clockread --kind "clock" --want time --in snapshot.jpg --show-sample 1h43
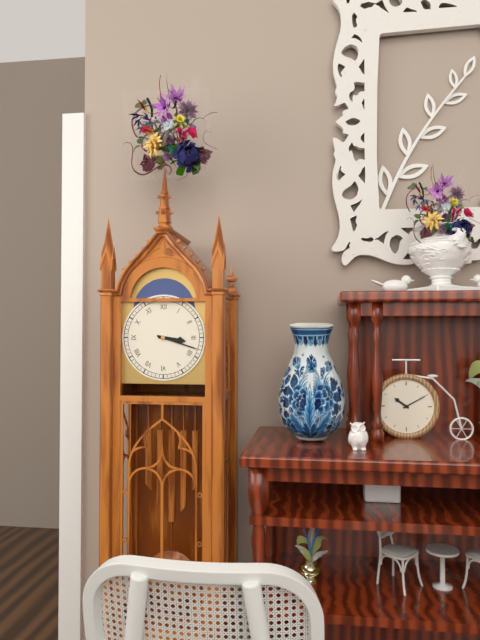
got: 3h18
